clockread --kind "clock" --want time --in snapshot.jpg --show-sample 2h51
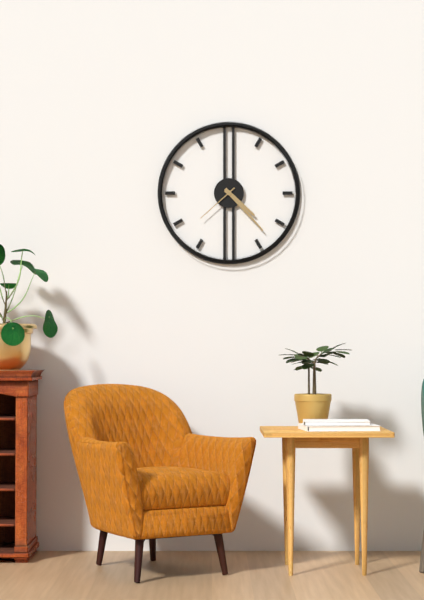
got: 4h23
